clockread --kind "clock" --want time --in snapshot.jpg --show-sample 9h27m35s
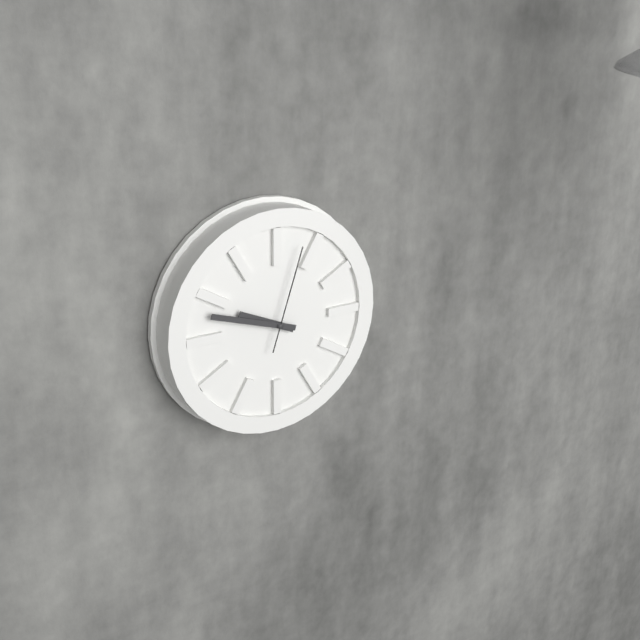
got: 9h48m03s
